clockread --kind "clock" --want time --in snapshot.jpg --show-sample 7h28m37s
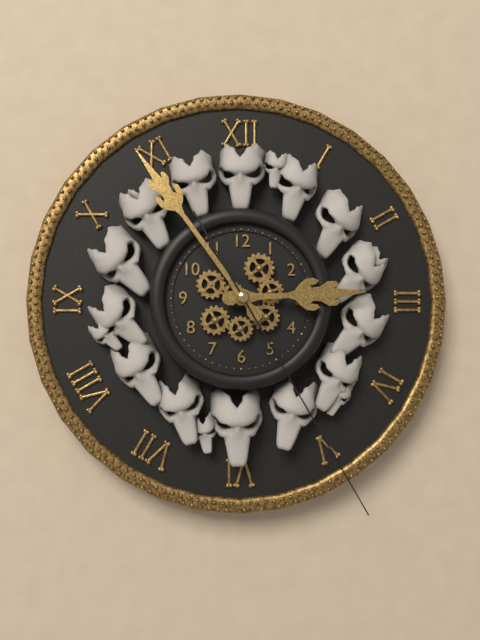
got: 2h54m25s
